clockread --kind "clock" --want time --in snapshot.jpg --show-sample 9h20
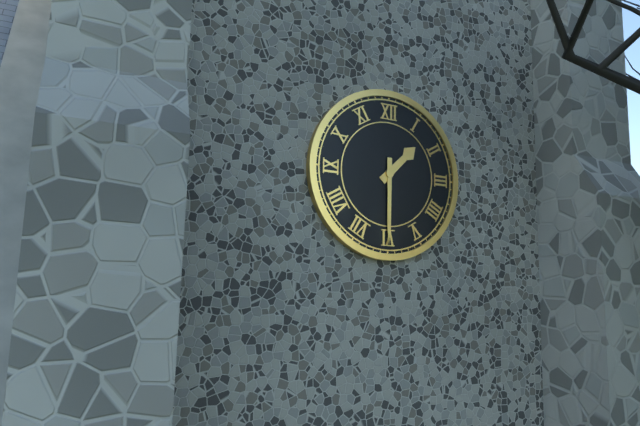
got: 1h30
